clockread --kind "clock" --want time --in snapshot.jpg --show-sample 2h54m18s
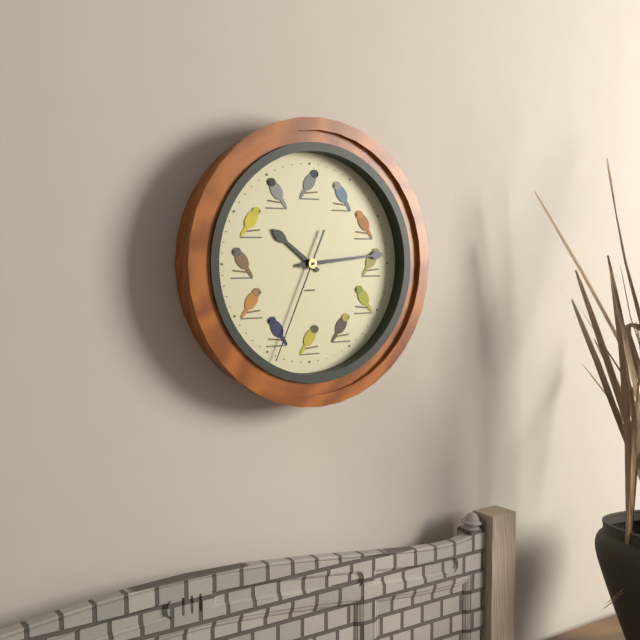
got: 10h14m34s
